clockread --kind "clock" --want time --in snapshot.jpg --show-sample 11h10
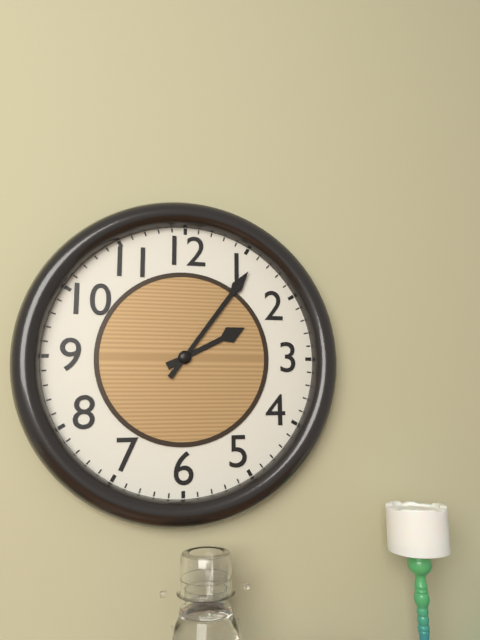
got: 2h06
